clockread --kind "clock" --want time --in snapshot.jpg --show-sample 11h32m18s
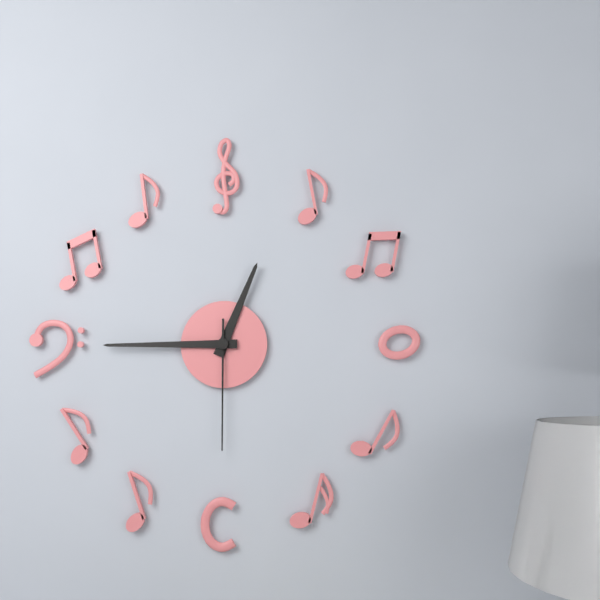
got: 12h45m30s
